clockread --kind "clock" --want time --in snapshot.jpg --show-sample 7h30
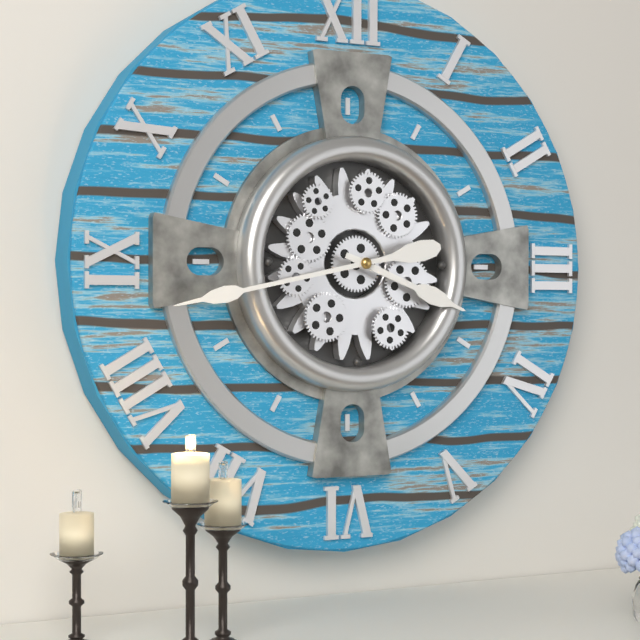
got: 3h43
